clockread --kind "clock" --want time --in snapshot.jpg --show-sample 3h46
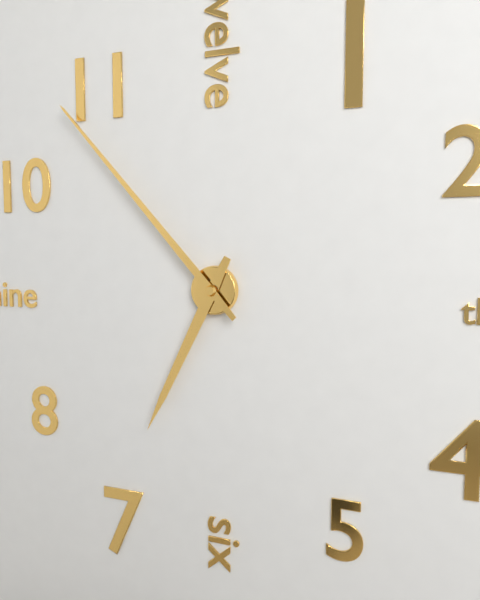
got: 6h53
